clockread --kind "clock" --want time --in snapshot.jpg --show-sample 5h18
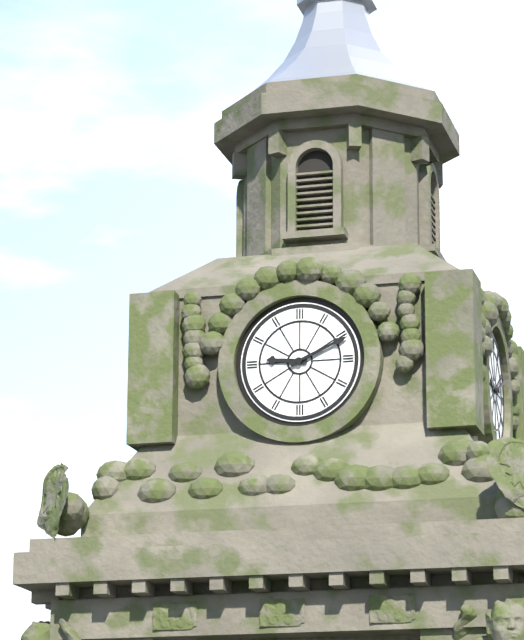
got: 9h11
